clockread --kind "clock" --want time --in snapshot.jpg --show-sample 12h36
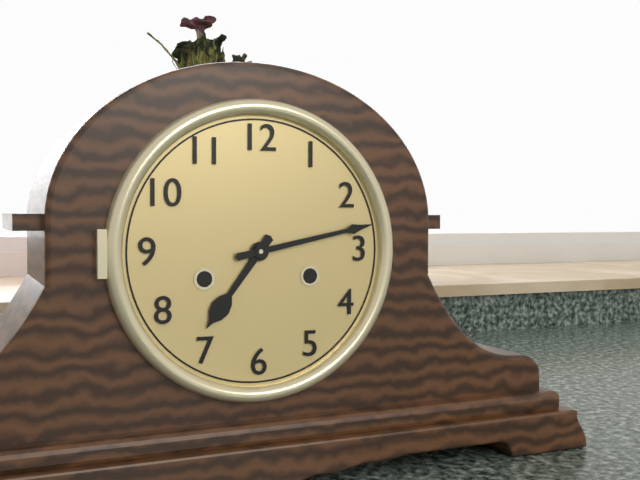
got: 7h13
